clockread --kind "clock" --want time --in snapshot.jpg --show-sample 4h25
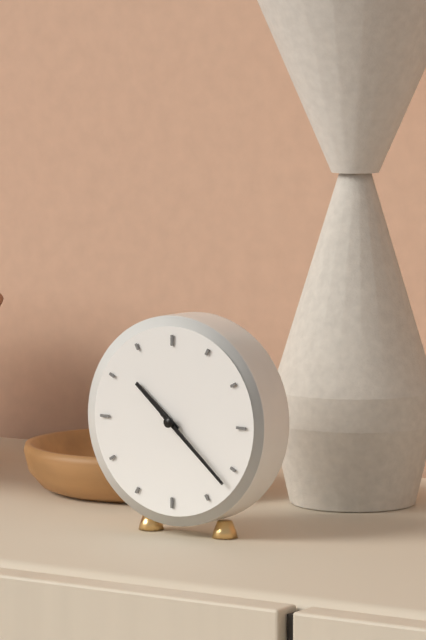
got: 10h22
